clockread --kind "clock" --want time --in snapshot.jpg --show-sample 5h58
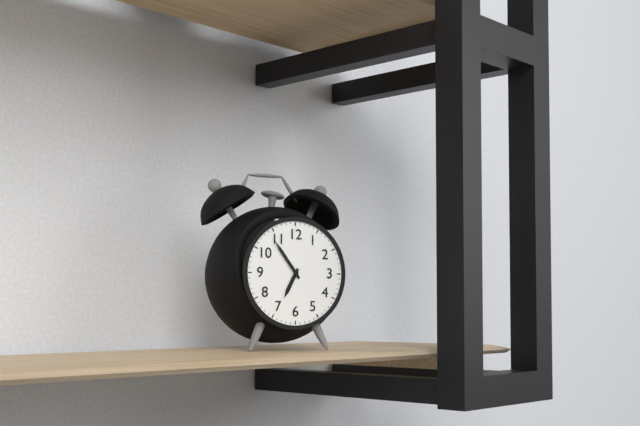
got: 6h54
